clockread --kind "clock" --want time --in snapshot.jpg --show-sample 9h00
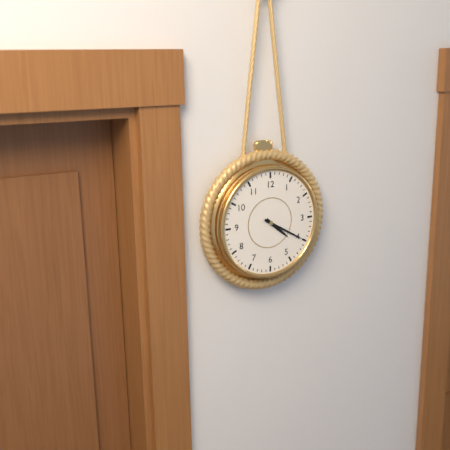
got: 4h20
